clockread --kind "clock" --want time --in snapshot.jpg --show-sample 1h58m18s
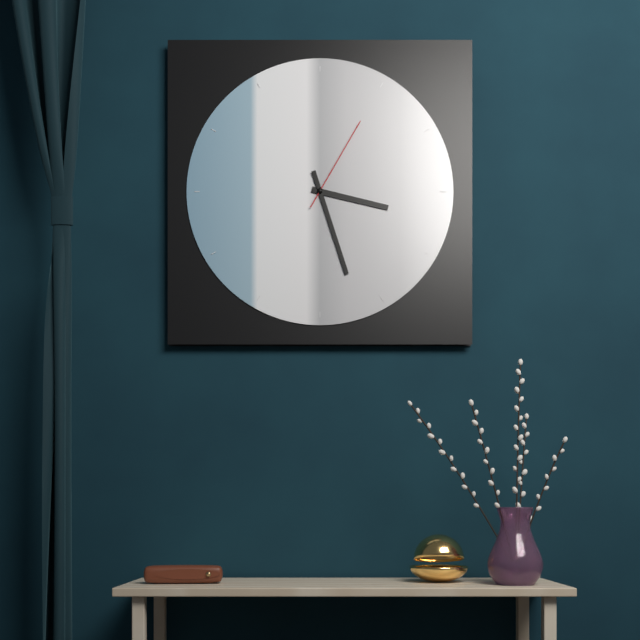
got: 3h27m05s
